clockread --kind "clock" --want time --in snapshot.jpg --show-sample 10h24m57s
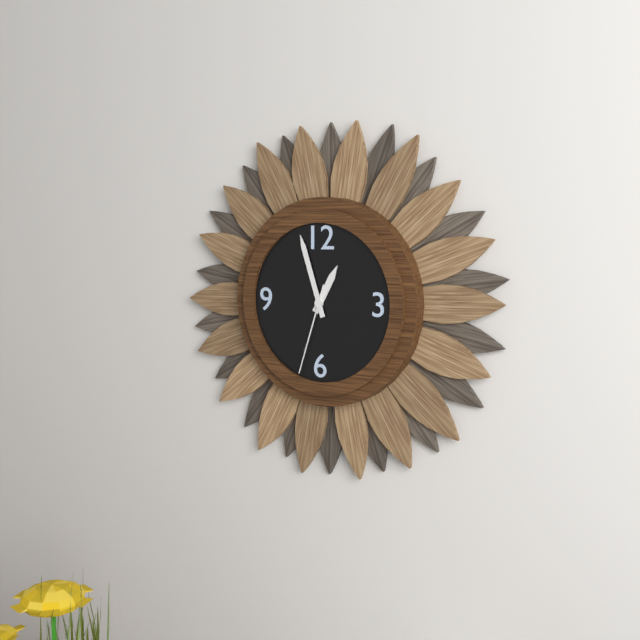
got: 12h57m33s
